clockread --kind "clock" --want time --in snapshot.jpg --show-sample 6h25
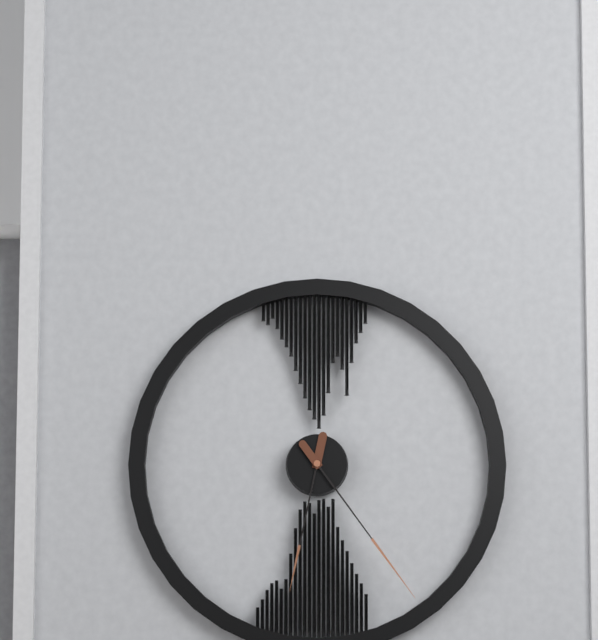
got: 6h24
